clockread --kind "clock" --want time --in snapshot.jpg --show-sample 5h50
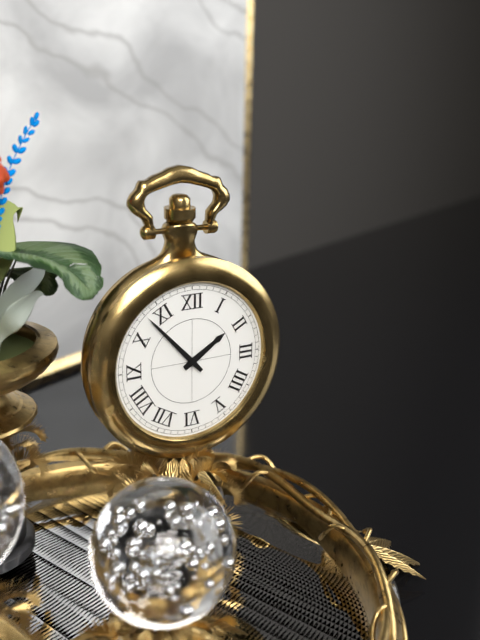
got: 1h53
